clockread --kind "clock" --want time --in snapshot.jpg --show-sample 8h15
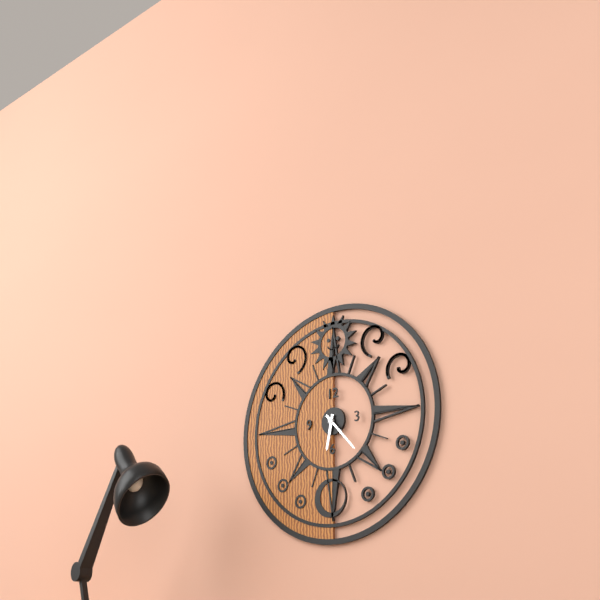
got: 6h23
